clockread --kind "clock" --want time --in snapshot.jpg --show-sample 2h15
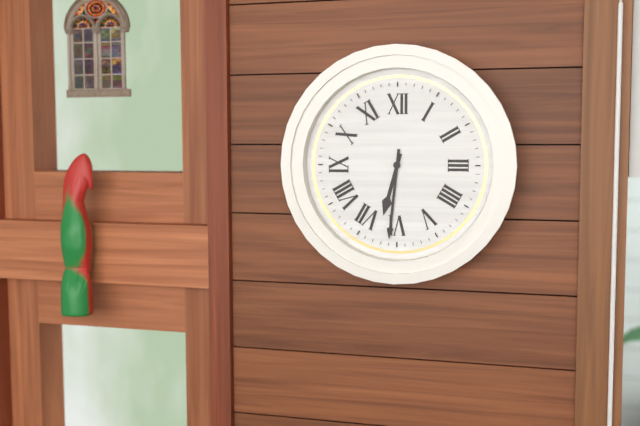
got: 6h31
